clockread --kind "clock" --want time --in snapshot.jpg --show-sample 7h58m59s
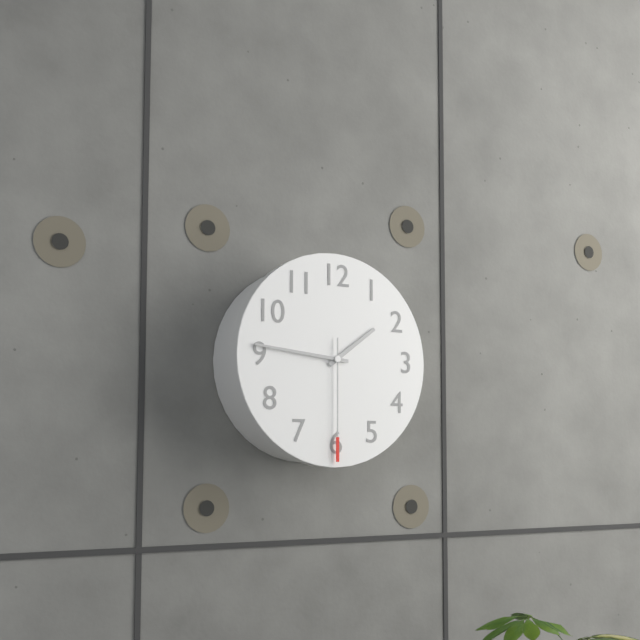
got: 1h46m30s
